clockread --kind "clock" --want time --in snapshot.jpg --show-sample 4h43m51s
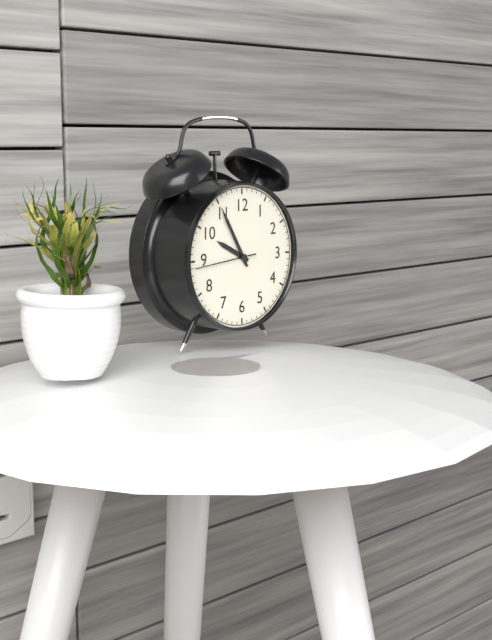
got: 9h55m44s
